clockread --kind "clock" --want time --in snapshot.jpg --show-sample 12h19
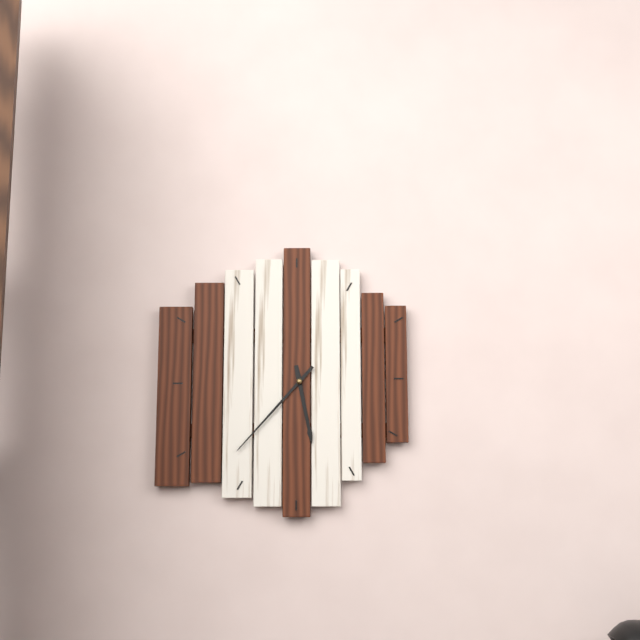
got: 5h37
